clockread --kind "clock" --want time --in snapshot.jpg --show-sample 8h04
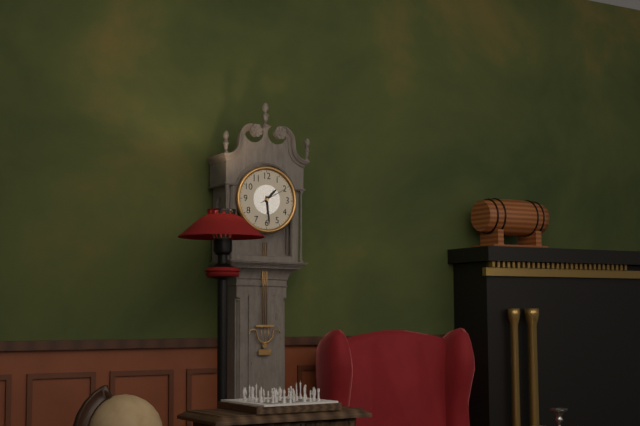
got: 1h29
